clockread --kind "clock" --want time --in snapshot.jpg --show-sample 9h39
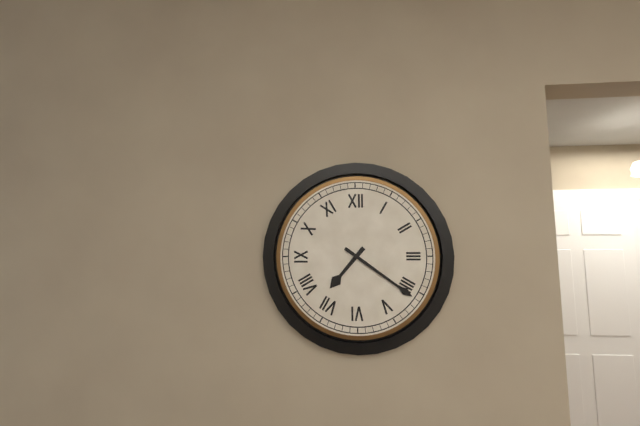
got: 7h21
